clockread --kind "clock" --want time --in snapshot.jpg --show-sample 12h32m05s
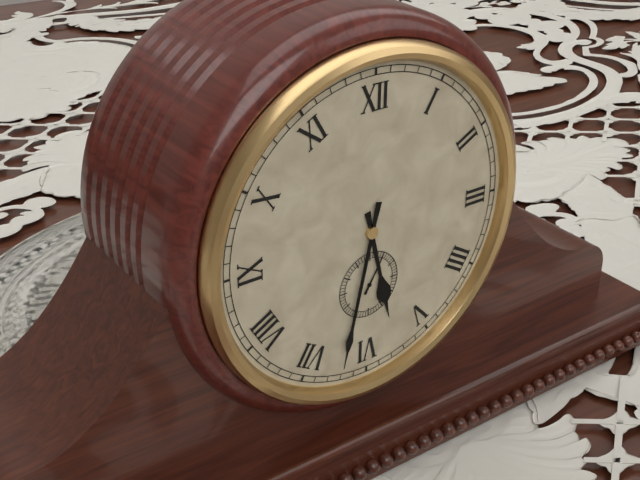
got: 5h32m05s
